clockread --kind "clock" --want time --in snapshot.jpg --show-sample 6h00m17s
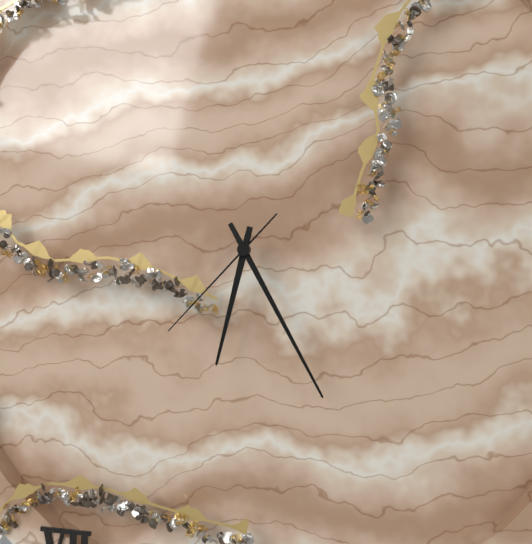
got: 6h25m37s
